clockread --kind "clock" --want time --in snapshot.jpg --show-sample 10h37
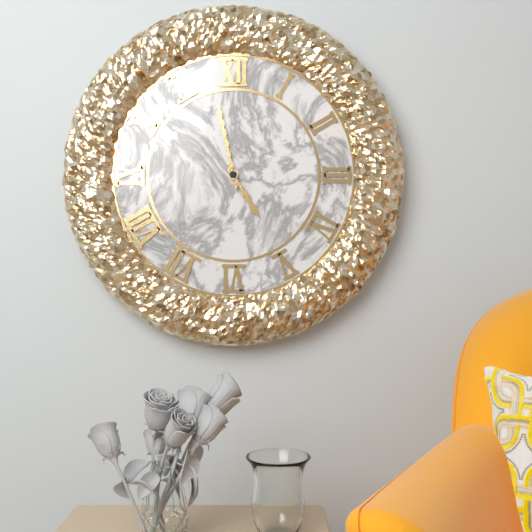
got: 4h58
